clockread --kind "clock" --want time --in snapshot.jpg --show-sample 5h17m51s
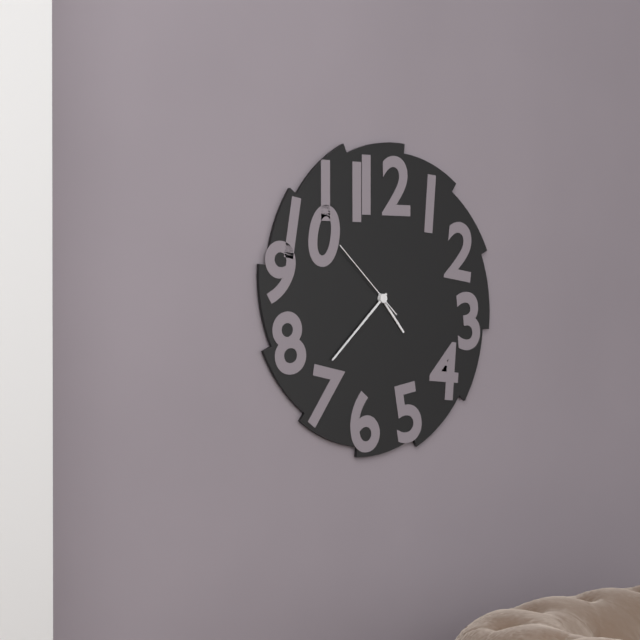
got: 4h38m52s
